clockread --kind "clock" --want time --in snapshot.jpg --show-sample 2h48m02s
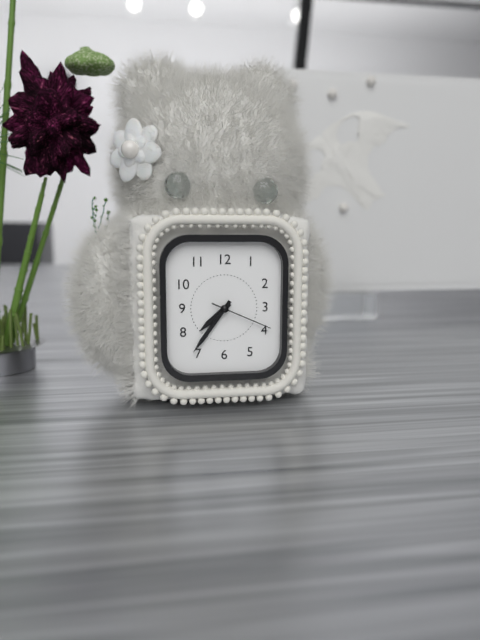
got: 7h36m19s
